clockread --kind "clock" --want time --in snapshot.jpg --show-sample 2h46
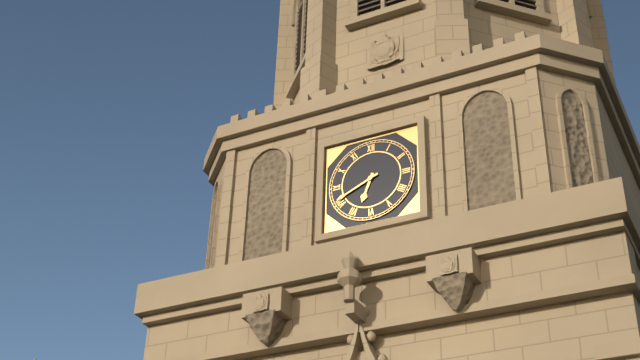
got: 6h41
